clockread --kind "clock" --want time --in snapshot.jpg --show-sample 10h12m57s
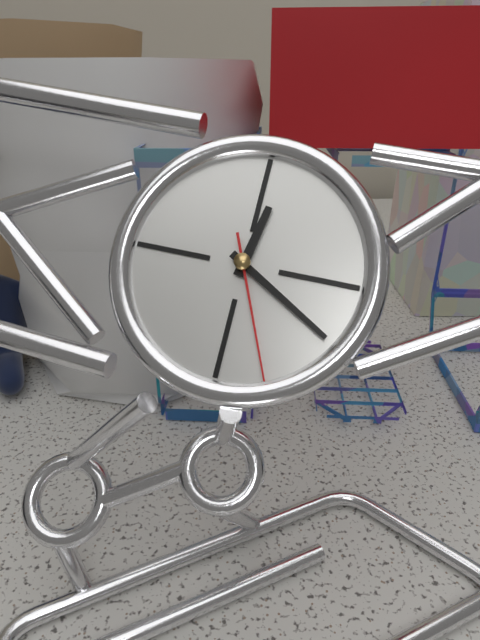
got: 12h20m26s
